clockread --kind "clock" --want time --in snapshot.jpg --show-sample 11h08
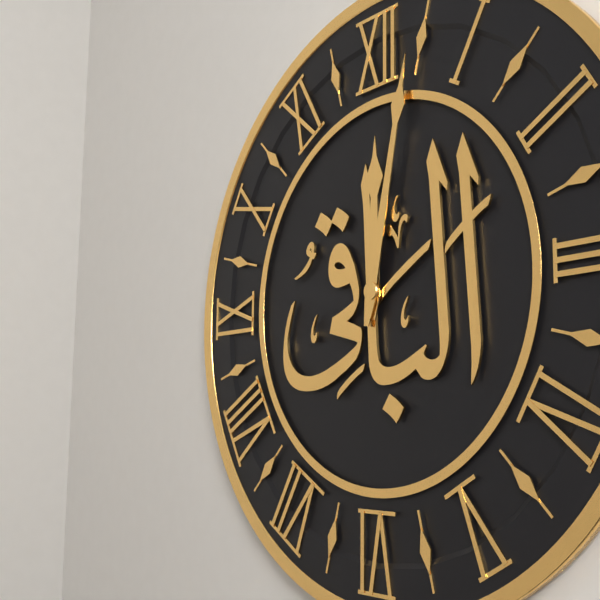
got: 12h02
